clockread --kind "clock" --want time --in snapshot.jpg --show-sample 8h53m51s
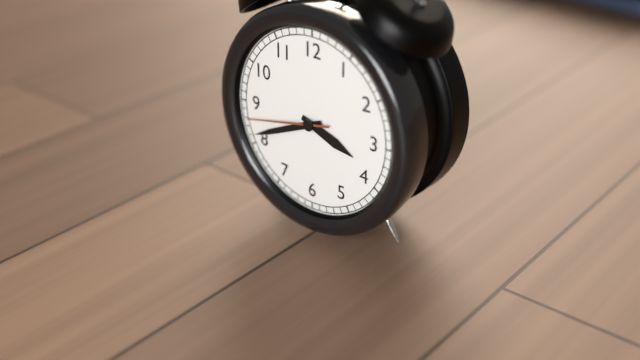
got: 3h41m43s
